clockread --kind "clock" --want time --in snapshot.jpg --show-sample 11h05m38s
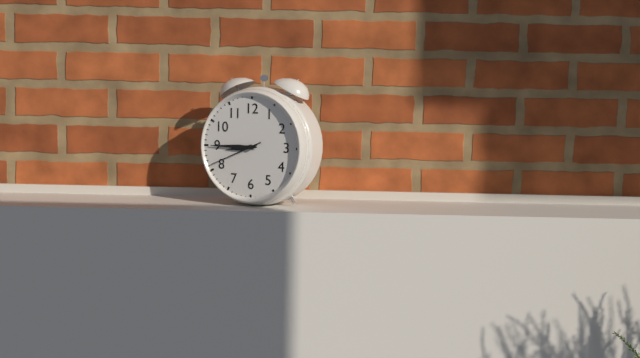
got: 8h45m41s
